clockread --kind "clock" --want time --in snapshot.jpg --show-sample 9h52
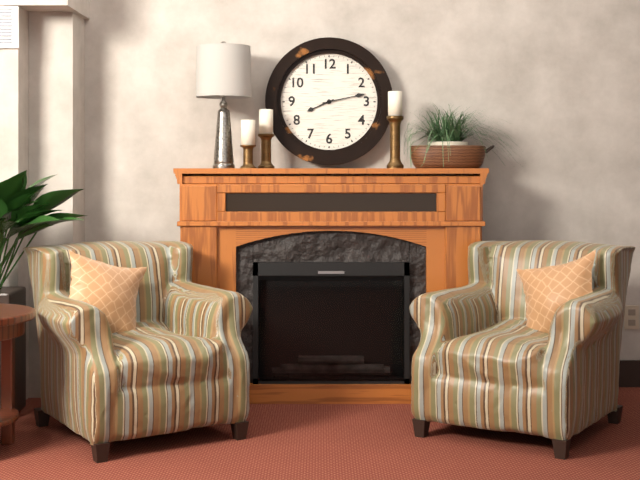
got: 8h13
